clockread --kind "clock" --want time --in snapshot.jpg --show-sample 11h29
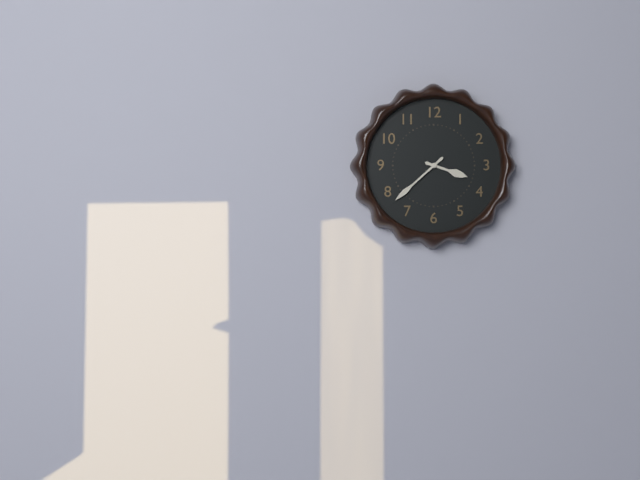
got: 3h38
